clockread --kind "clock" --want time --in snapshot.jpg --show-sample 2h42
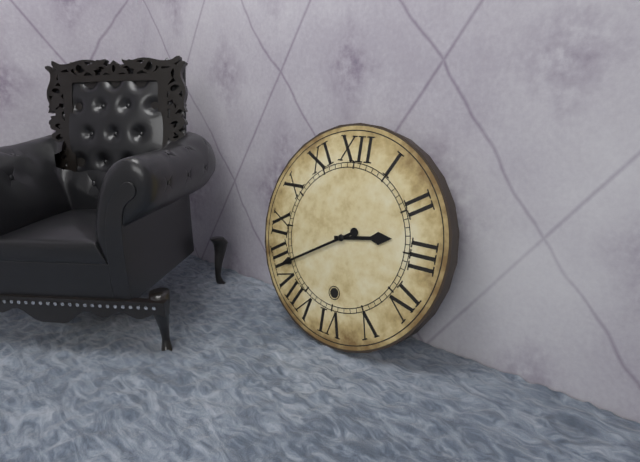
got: 2h40
